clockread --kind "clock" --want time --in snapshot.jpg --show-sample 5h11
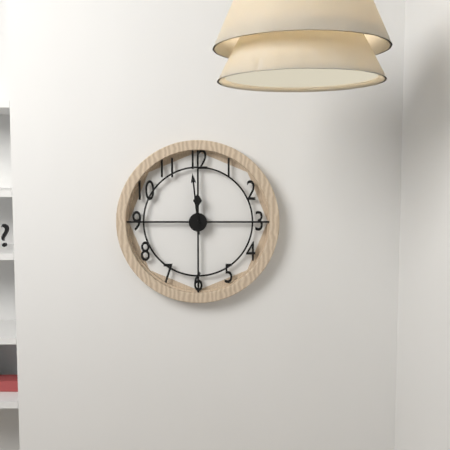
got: 11h59
